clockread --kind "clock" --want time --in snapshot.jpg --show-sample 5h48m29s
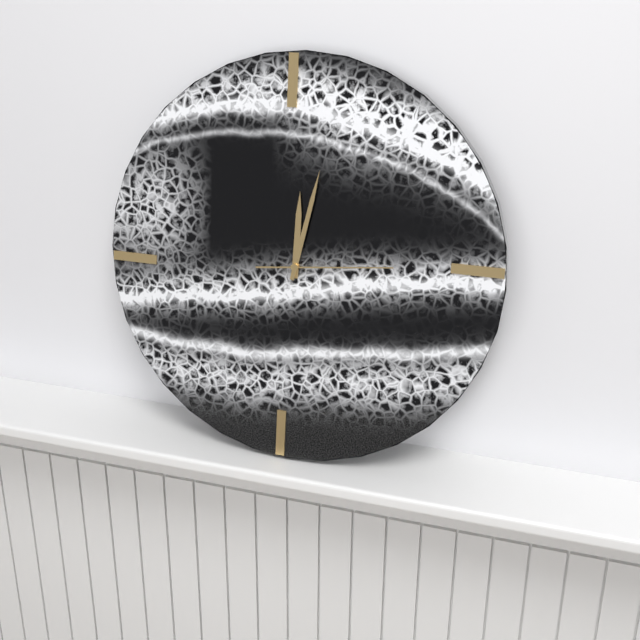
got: 12h02m14s
